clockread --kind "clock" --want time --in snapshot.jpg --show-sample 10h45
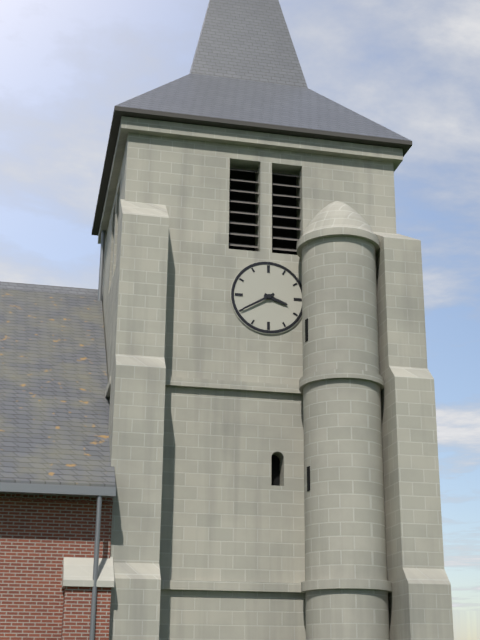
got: 3h40
